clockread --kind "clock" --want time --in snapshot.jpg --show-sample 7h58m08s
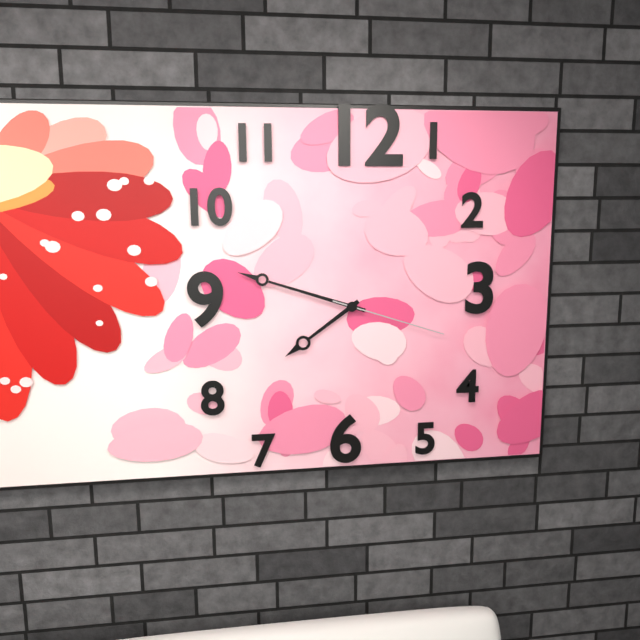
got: 7h48m18s
